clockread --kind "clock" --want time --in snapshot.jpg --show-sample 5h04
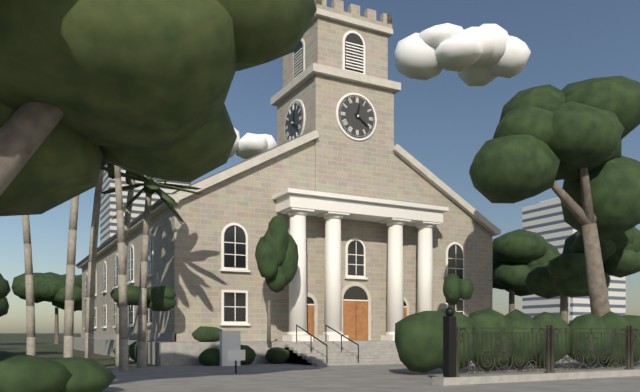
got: 12h21
